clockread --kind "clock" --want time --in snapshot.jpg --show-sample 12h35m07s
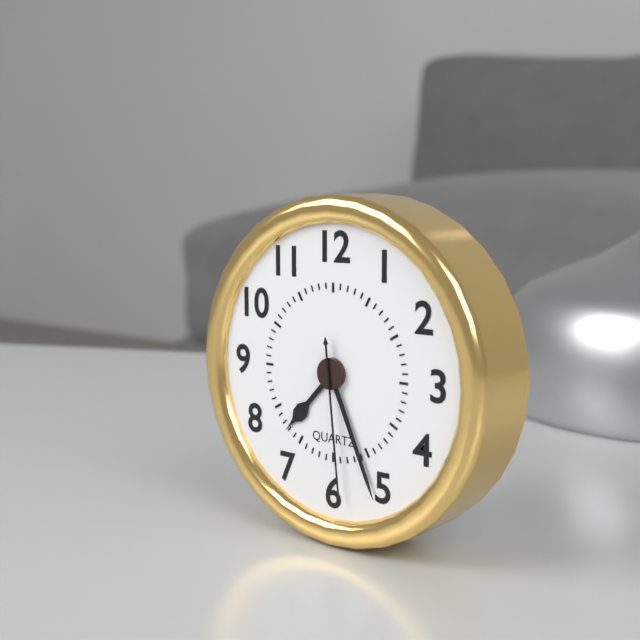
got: 7h26m29s
